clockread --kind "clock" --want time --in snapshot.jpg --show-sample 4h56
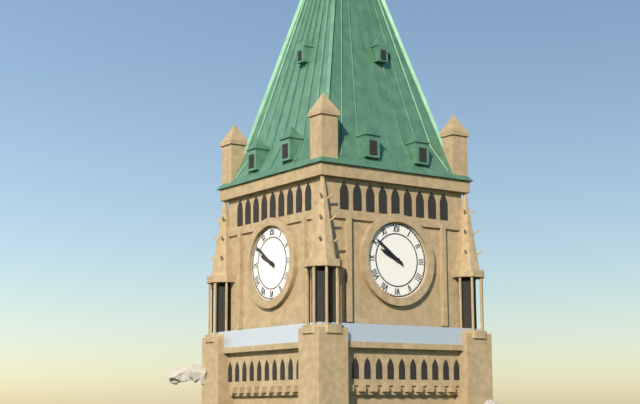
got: 9h51
